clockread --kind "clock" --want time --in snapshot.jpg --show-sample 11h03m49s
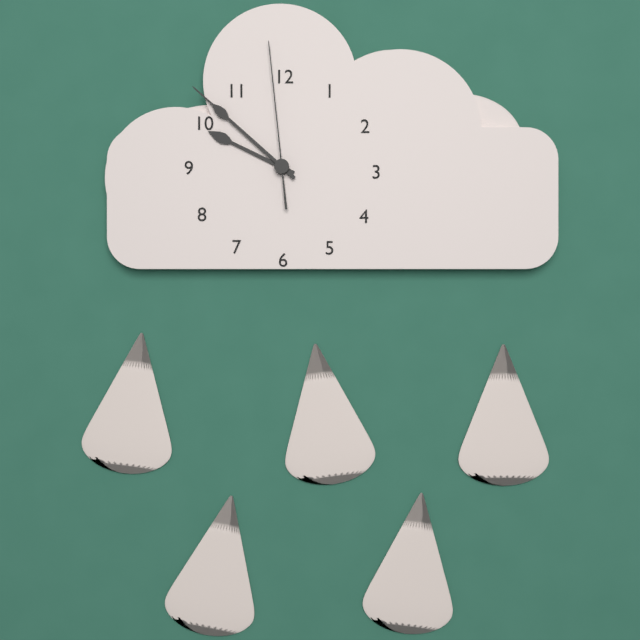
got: 9h52m59s
